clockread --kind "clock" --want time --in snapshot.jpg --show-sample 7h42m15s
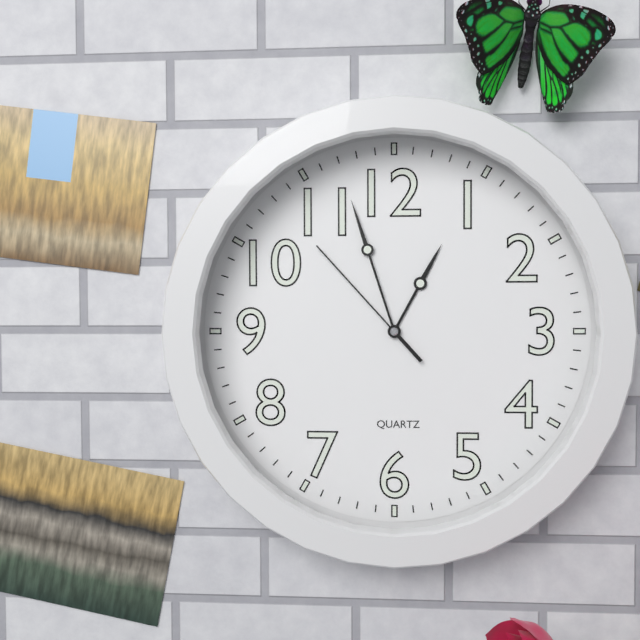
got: 12h57m53s
